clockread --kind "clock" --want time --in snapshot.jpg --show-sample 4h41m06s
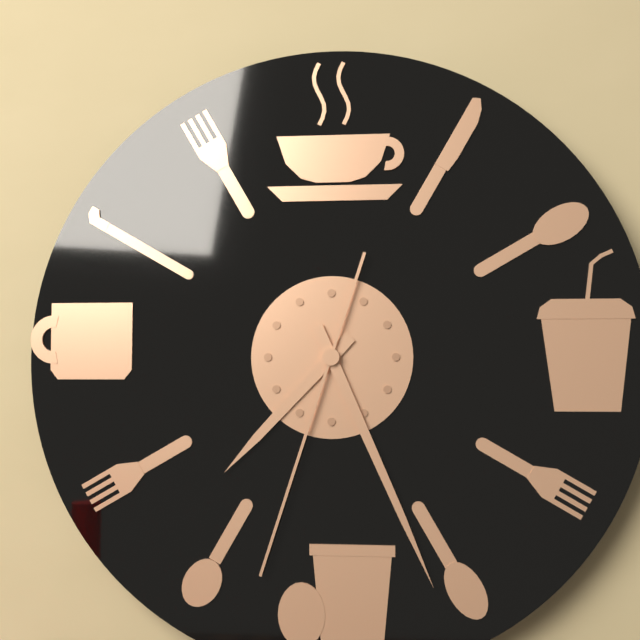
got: 7h26m33s
